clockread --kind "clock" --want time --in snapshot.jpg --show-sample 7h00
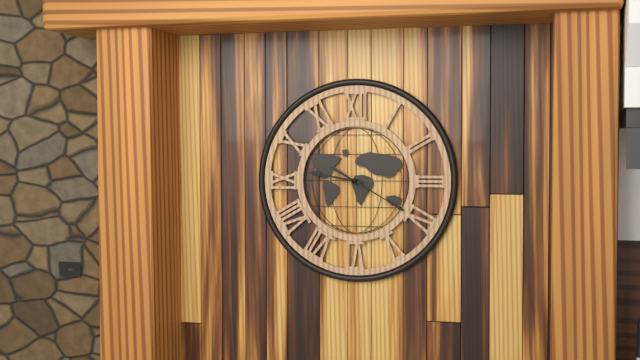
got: 9h20
